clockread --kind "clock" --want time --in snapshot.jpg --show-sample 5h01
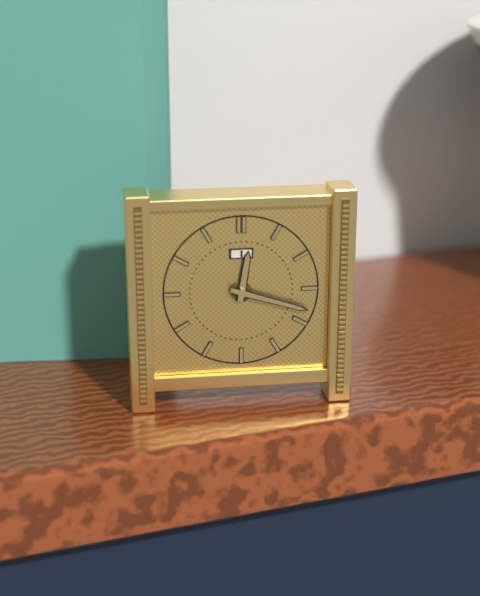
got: 12h18
